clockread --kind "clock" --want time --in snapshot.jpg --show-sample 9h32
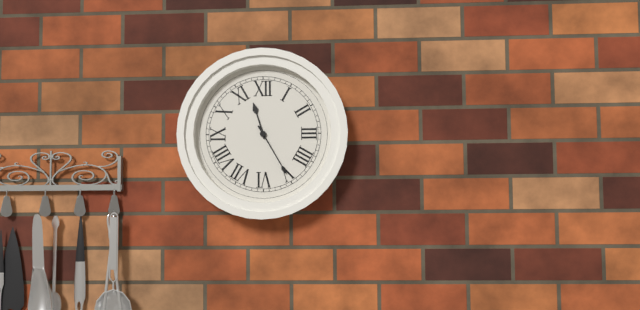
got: 11h25
